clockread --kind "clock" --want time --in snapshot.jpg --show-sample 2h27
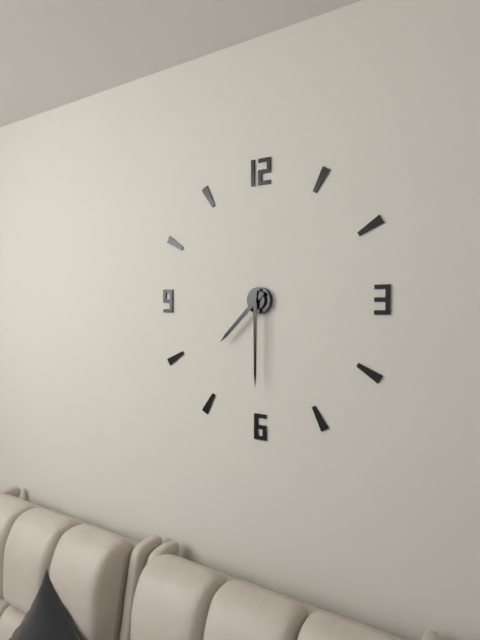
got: 7h30
